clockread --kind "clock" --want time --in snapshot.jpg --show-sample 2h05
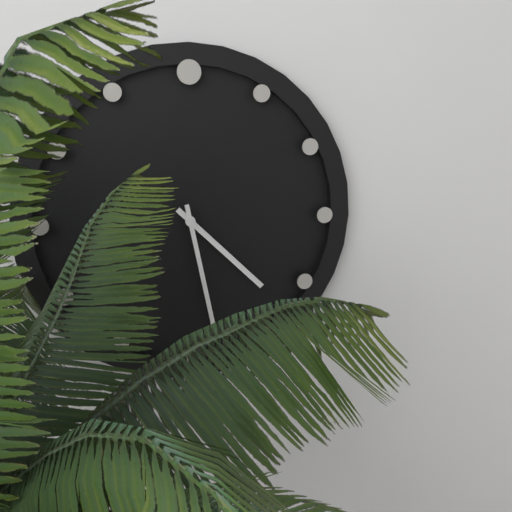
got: 4h28
